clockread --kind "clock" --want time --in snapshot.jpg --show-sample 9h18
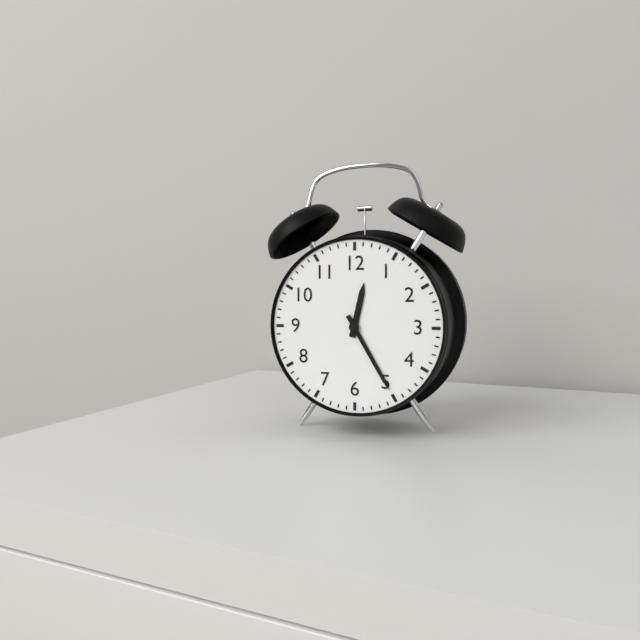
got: 12h25
